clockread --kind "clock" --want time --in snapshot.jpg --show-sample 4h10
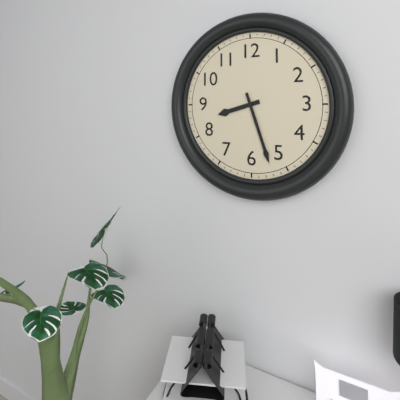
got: 8h27
